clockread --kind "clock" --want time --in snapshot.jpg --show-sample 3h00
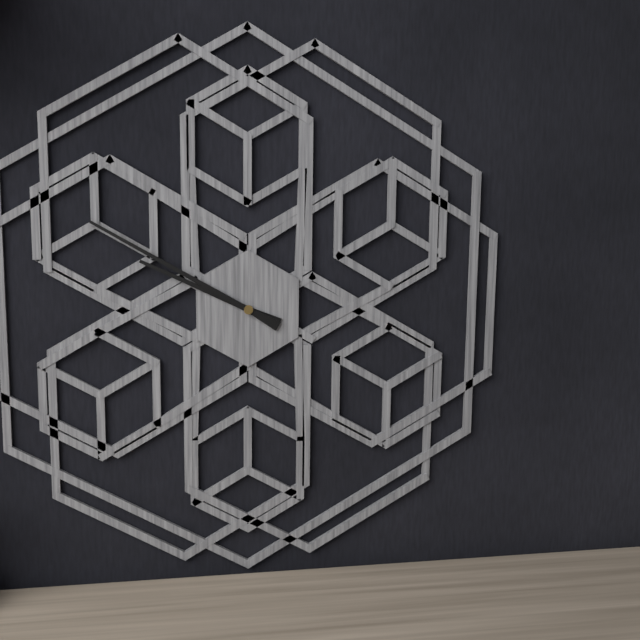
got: 9h50
